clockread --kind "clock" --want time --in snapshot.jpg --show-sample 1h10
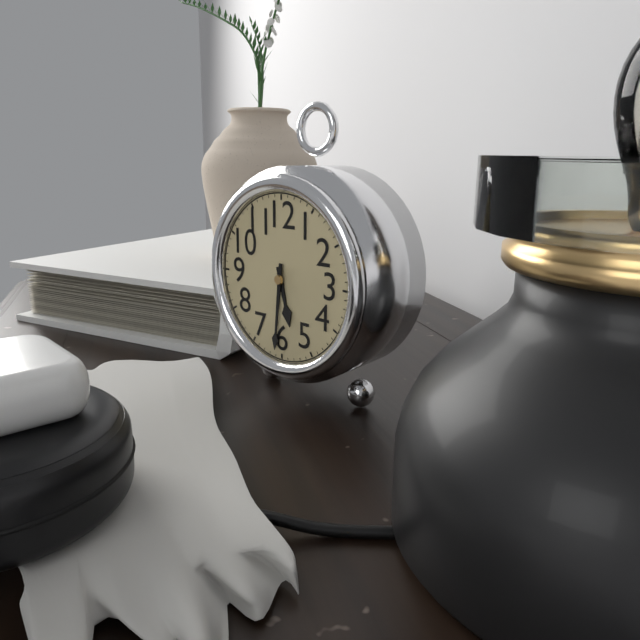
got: 5h31
